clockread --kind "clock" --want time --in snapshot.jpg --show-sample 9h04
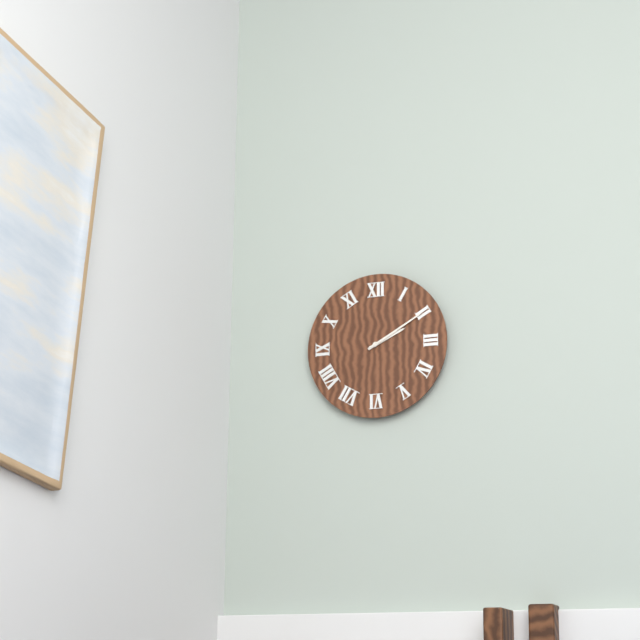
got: 2h10
